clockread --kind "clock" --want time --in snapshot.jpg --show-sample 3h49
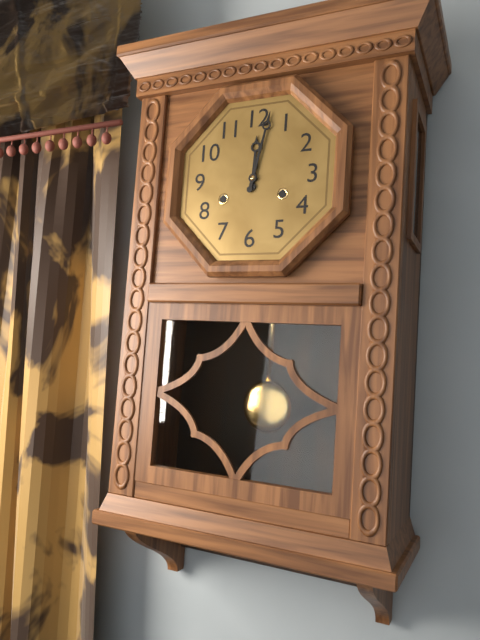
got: 12h02
